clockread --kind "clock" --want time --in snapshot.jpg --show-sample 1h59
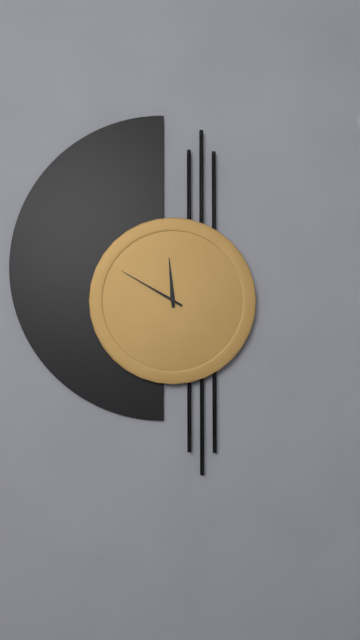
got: 11h50
